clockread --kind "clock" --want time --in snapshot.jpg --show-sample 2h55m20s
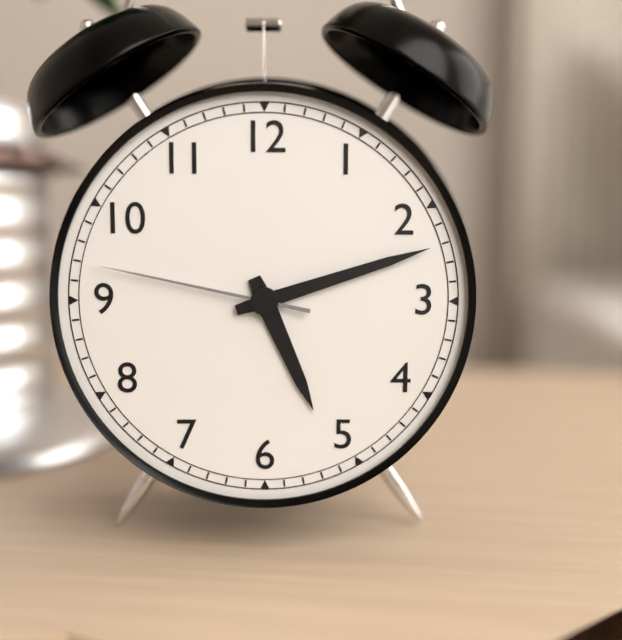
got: 5h12m47s
